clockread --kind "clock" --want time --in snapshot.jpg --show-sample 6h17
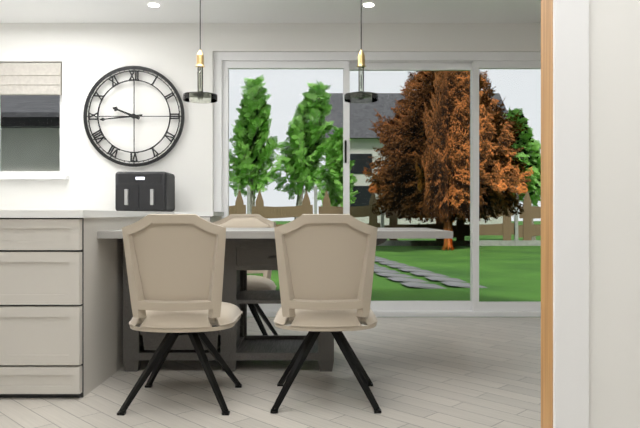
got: 9h44
